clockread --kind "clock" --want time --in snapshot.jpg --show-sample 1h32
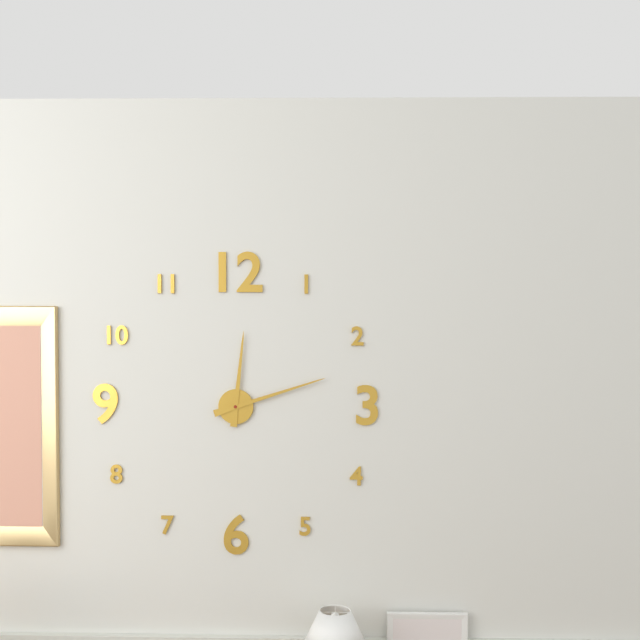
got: 12h12
